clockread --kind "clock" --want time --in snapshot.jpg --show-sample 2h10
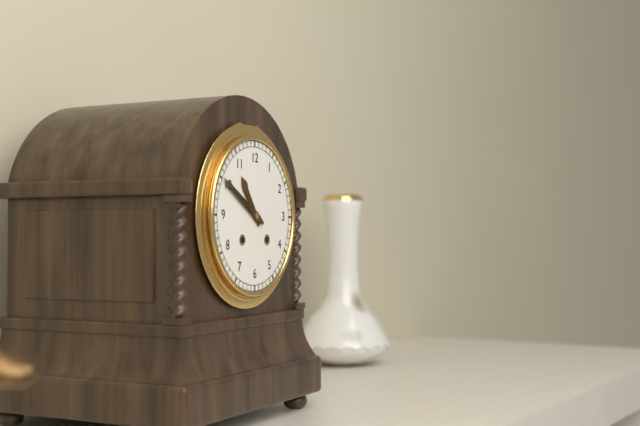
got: 10h50
